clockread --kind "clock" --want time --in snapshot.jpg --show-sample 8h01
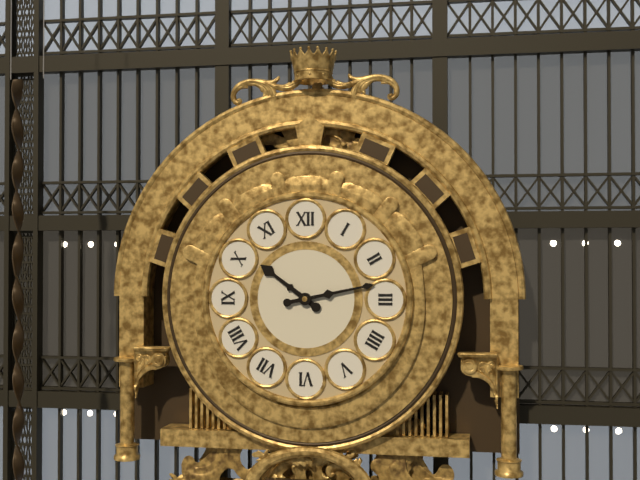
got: 10h13
